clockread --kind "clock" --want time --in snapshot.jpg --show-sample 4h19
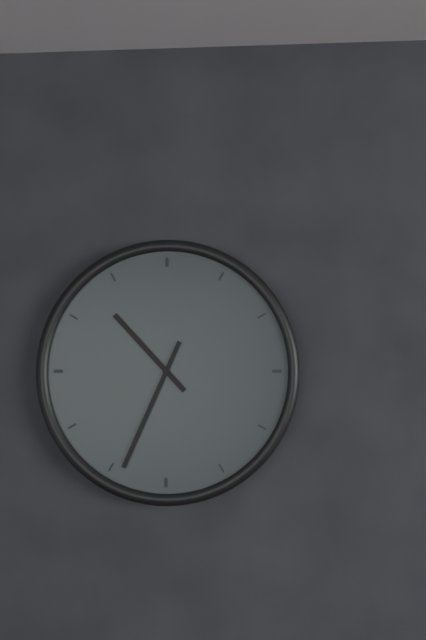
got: 10h34
